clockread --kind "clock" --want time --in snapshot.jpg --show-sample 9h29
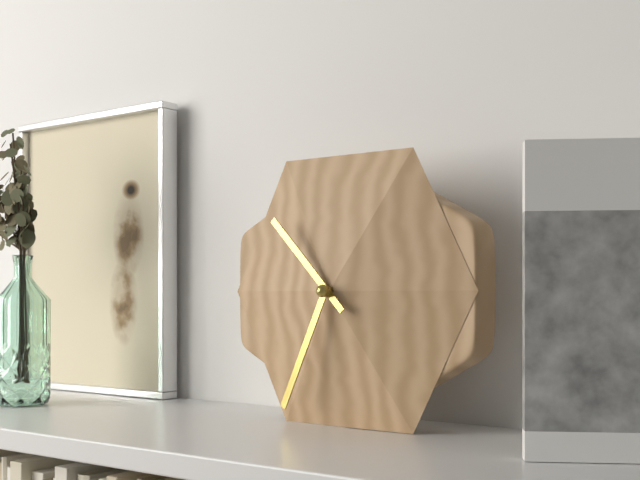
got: 10h34
